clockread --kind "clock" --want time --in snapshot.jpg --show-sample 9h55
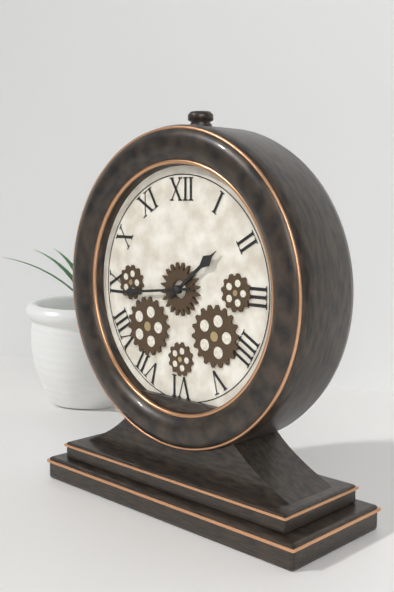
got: 1h44
